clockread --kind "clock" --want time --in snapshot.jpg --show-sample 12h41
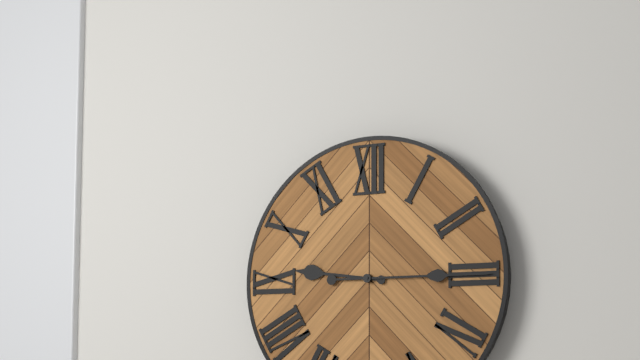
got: 9h15
